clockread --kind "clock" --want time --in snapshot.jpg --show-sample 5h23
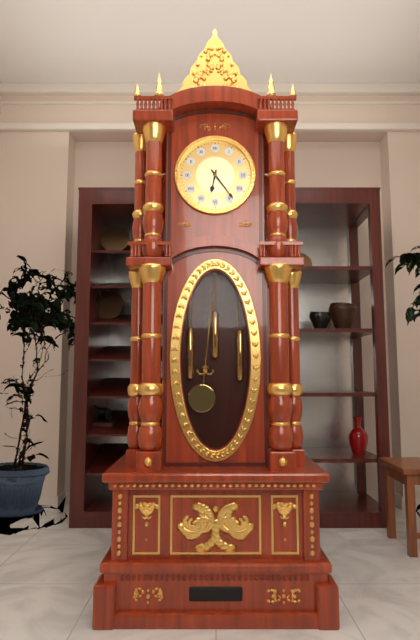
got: 6h24
